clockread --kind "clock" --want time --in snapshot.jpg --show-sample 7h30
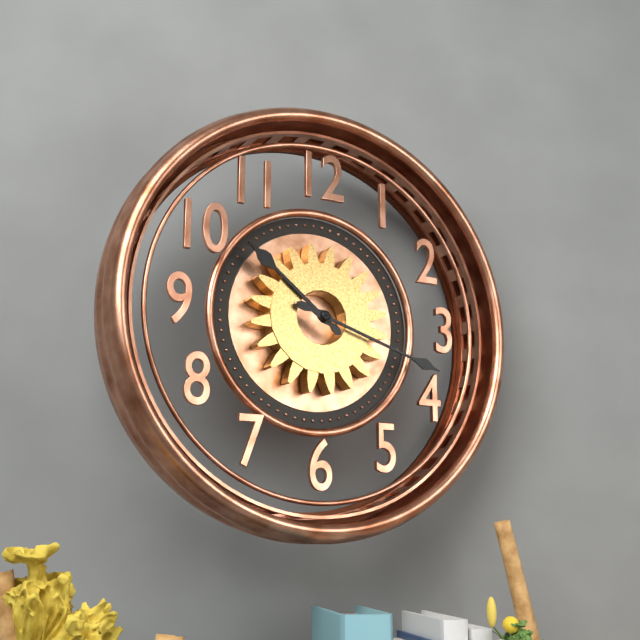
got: 10h18
